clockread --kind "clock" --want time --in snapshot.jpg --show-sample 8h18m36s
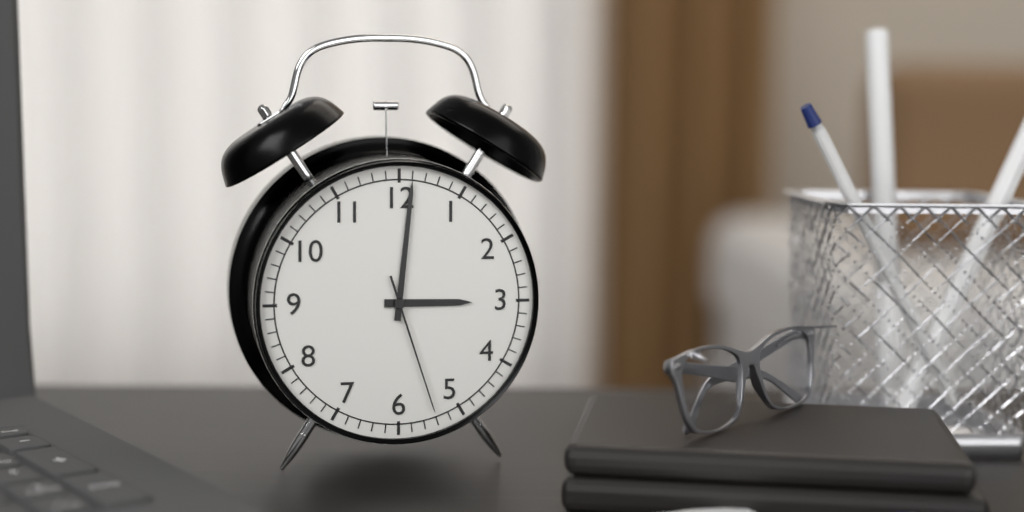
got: 3h01m27s
